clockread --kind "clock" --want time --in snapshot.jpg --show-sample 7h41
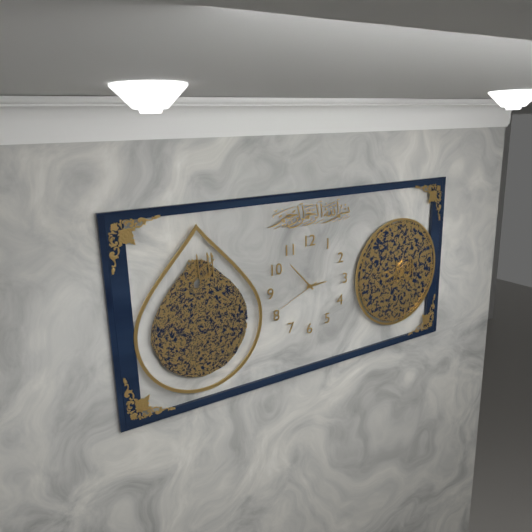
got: 2h53
